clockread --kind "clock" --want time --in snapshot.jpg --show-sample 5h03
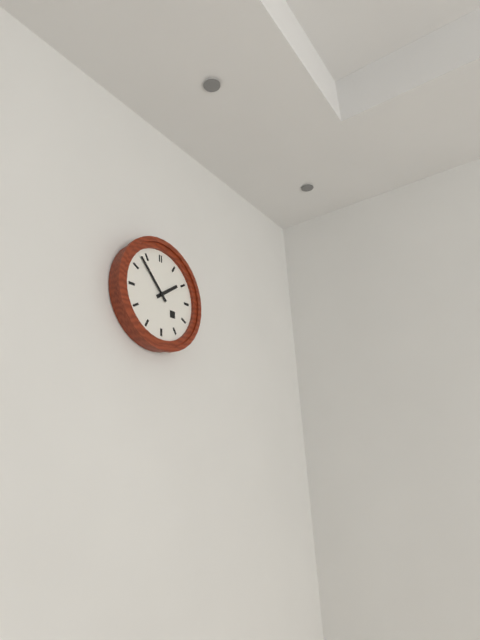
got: 1h53
